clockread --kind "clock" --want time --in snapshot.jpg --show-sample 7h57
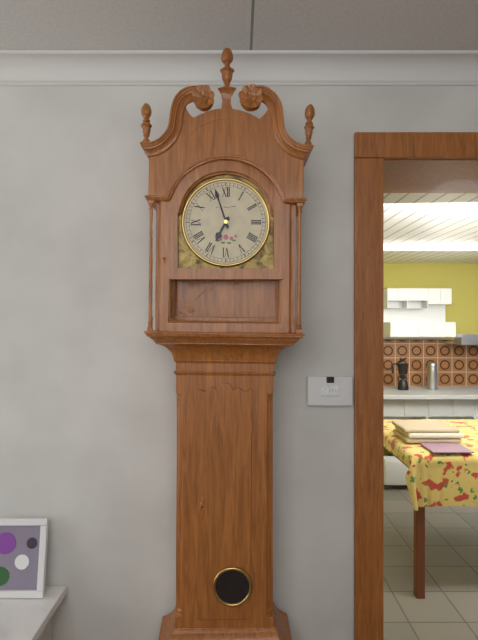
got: 6h57
